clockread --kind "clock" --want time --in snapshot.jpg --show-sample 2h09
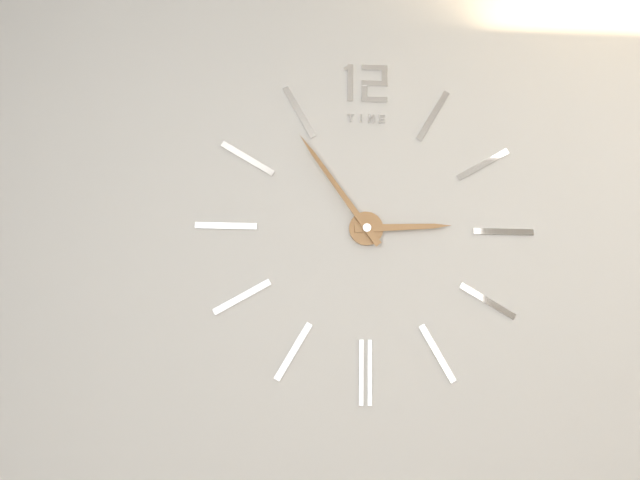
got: 2h54
